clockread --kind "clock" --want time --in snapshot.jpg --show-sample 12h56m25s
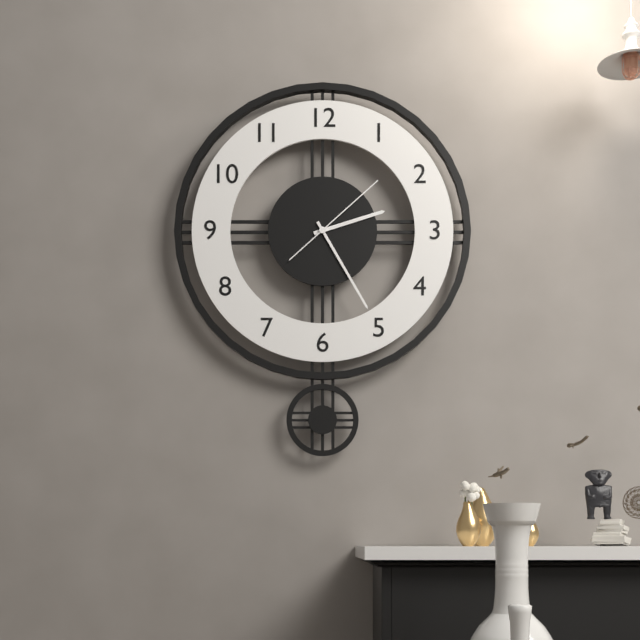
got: 2h25m08s
